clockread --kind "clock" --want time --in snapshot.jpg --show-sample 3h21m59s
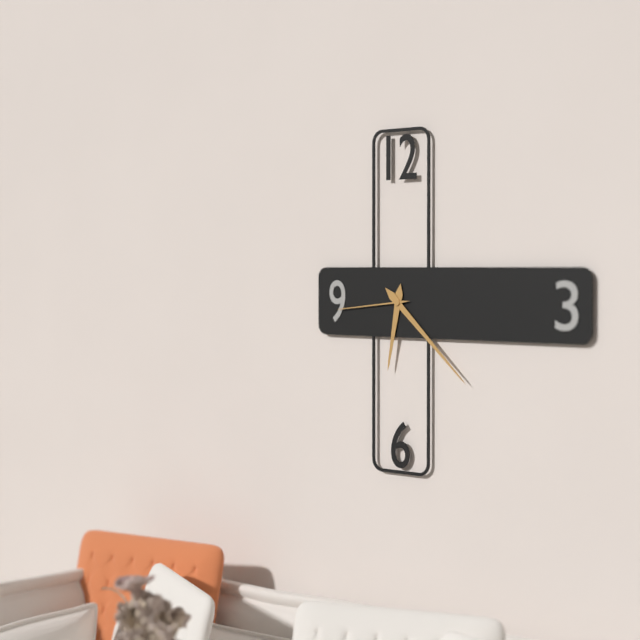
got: 6h22m44s
